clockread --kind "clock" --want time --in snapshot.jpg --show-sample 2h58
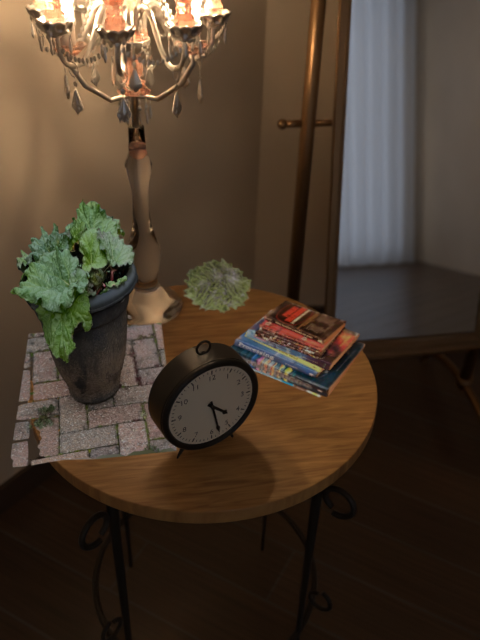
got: 4h28
